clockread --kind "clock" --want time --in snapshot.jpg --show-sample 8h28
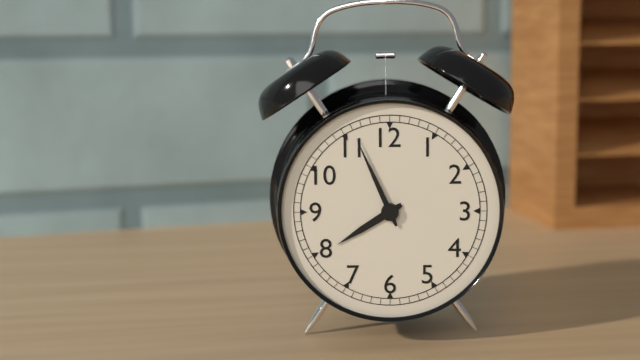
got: 7h56
